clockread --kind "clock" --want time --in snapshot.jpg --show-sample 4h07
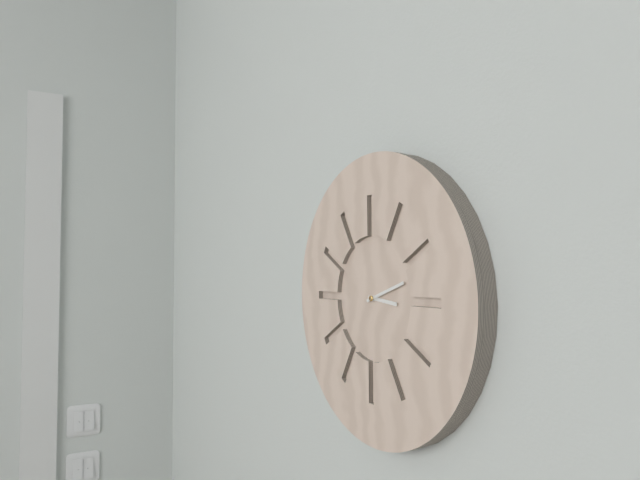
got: 3h12
